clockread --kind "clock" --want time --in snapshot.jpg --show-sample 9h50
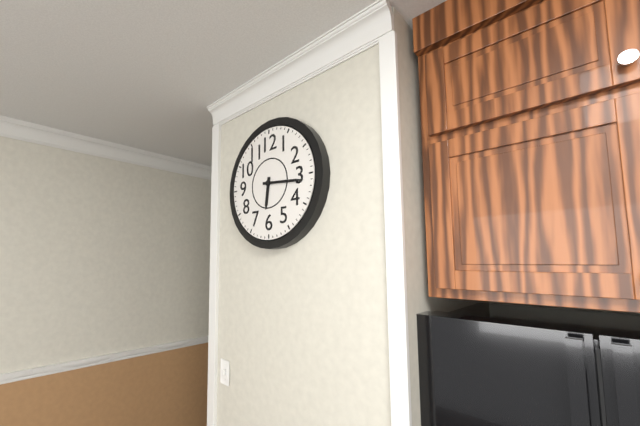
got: 6h16
